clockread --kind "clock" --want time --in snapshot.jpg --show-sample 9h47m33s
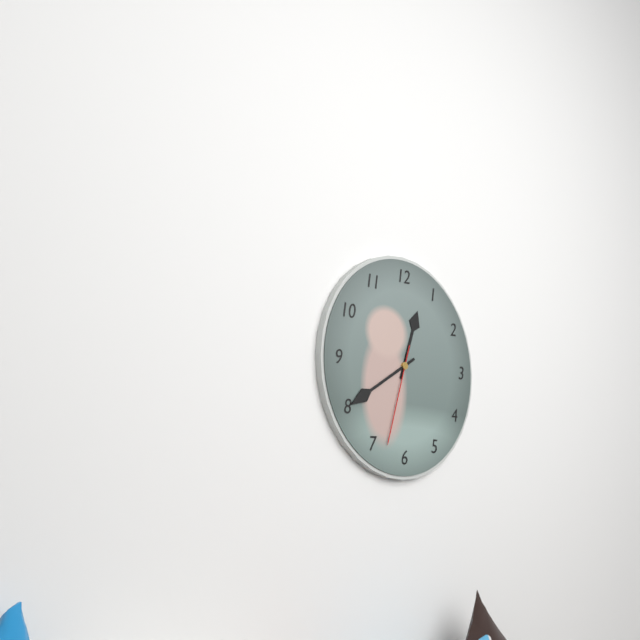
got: 12h40m33s
